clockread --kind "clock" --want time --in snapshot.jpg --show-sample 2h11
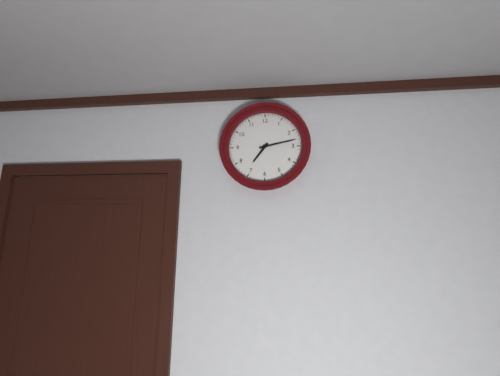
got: 7h13
